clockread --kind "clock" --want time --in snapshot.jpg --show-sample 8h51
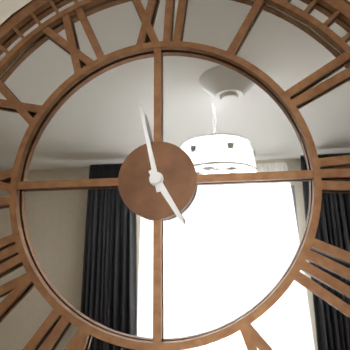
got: 4h58
